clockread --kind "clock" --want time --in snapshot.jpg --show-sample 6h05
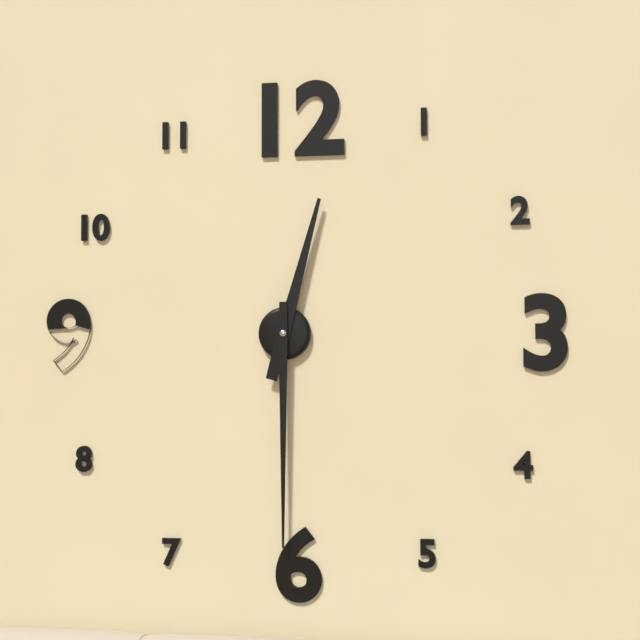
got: 12h30
